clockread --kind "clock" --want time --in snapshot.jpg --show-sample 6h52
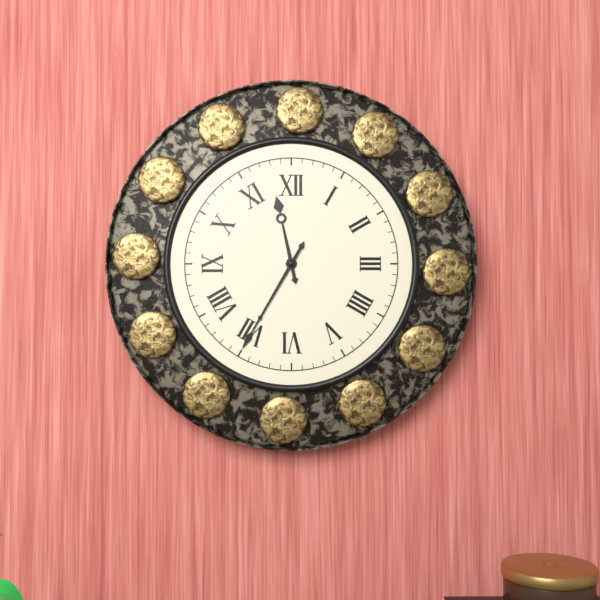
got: 11h35
